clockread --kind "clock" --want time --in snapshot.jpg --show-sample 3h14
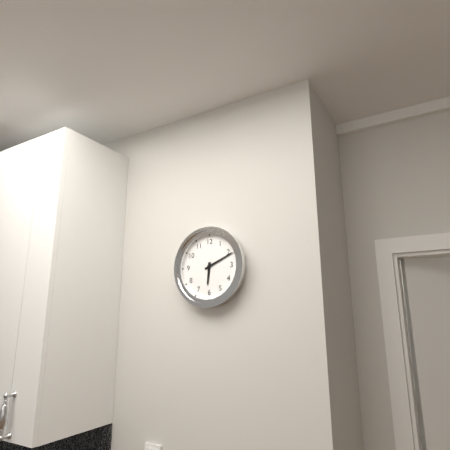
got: 6h11
